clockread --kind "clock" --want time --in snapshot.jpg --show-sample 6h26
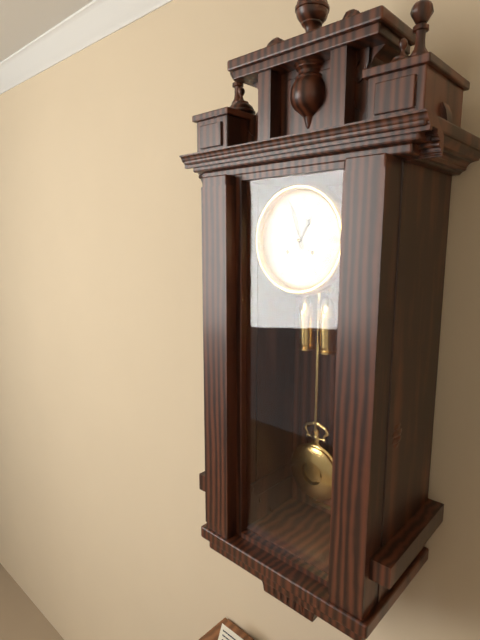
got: 12h57
